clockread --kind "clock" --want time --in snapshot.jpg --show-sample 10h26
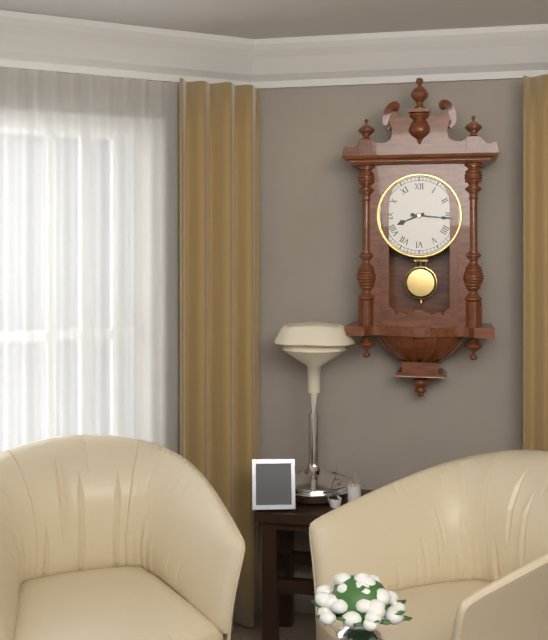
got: 8h16
